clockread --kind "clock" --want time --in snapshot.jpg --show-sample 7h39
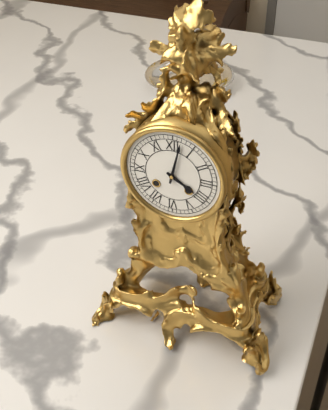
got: 4h02
